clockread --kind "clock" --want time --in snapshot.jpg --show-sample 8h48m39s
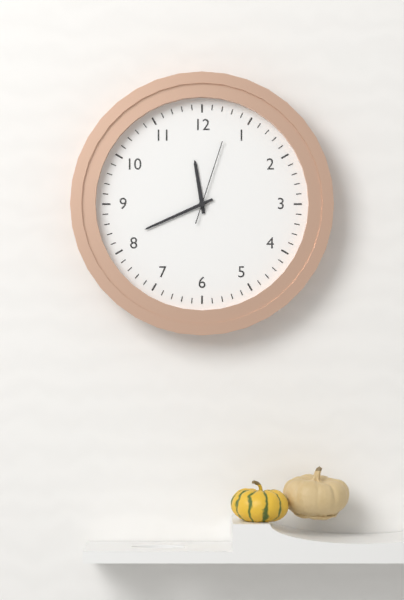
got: 11h41m03s
